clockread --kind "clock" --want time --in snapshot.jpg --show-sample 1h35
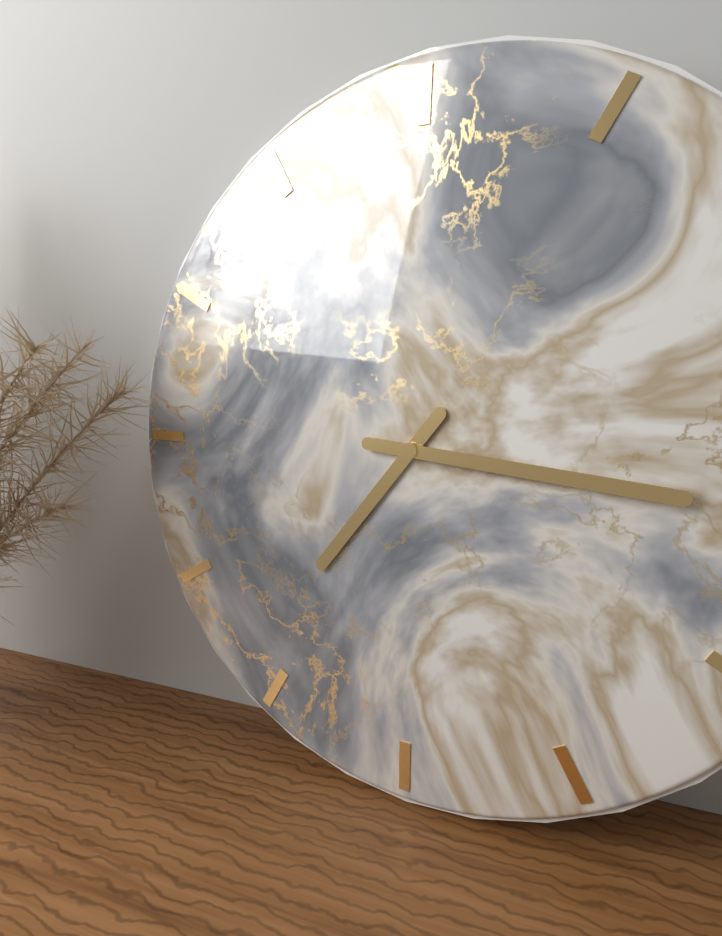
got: 7h16
